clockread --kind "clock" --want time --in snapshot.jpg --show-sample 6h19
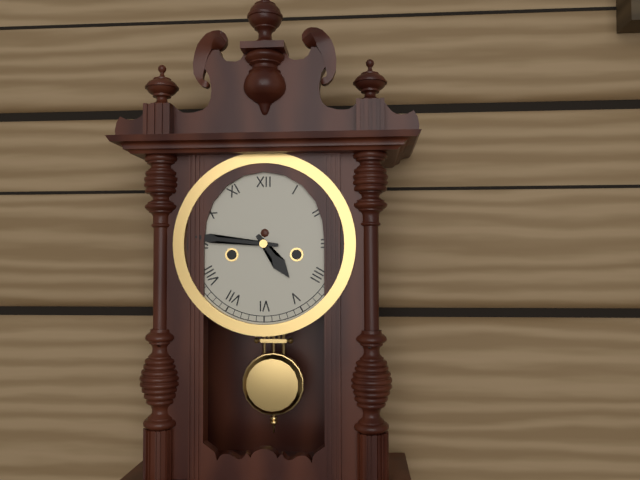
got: 4h46
